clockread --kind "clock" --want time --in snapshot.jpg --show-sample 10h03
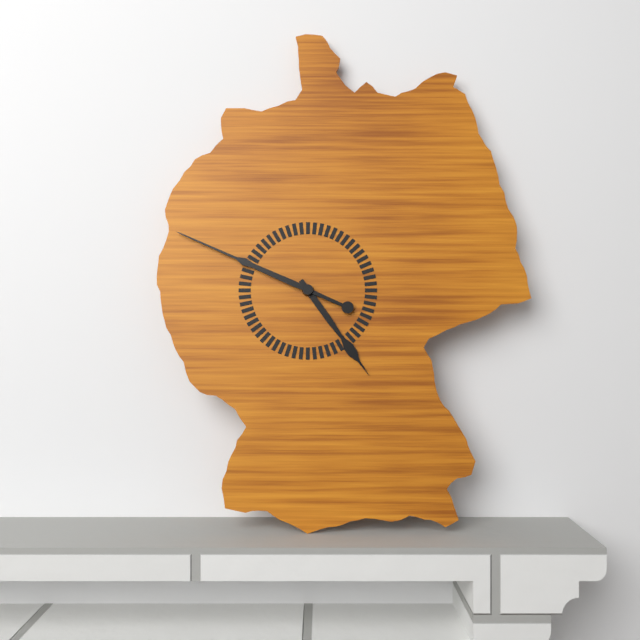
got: 4h49
